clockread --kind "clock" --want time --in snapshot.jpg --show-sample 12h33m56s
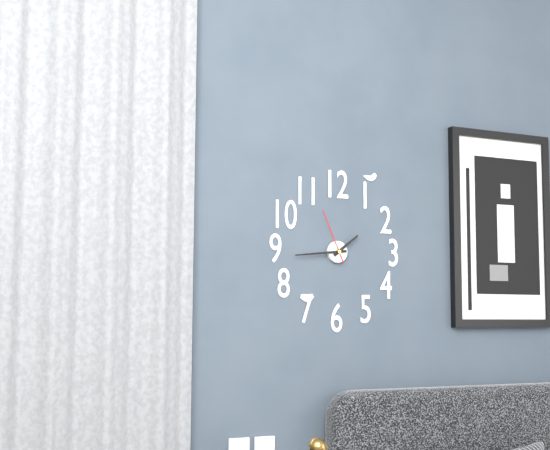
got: 1h44m56s
